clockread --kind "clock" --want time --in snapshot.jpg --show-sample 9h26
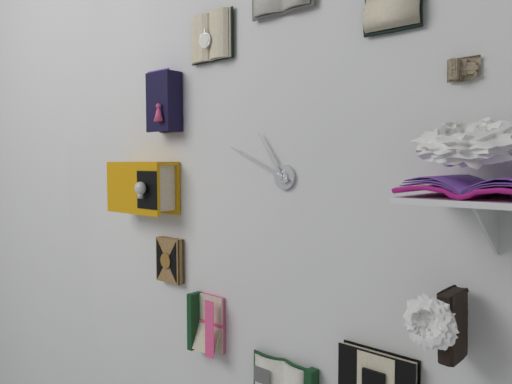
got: 10h49
